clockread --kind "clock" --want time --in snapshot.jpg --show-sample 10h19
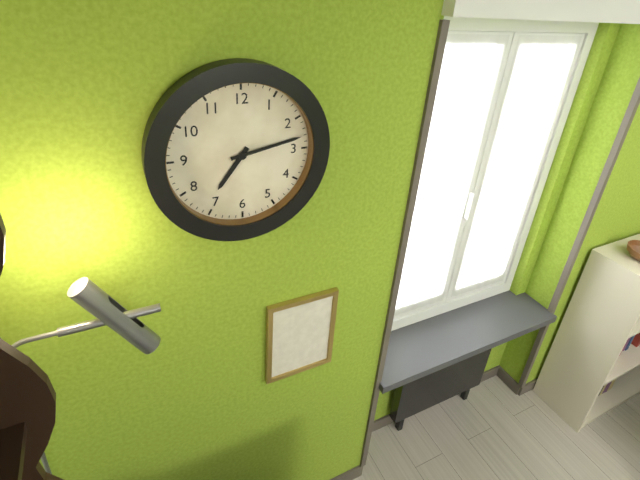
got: 7h13
